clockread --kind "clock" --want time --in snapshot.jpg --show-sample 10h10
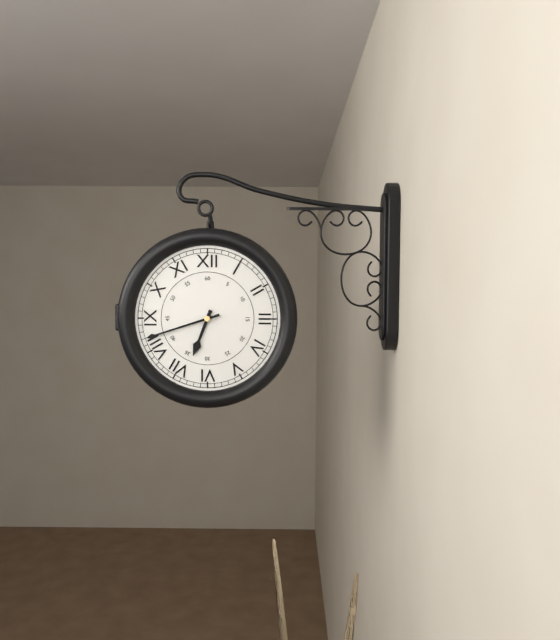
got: 6h42
